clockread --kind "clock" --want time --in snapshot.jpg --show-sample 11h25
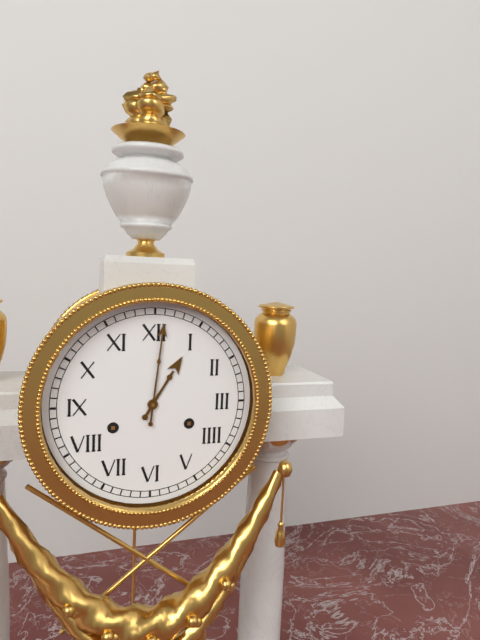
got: 1h01
